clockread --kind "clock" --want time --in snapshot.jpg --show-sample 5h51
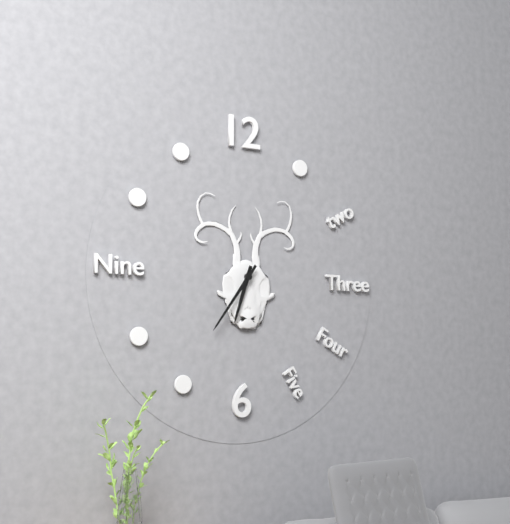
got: 6h36
